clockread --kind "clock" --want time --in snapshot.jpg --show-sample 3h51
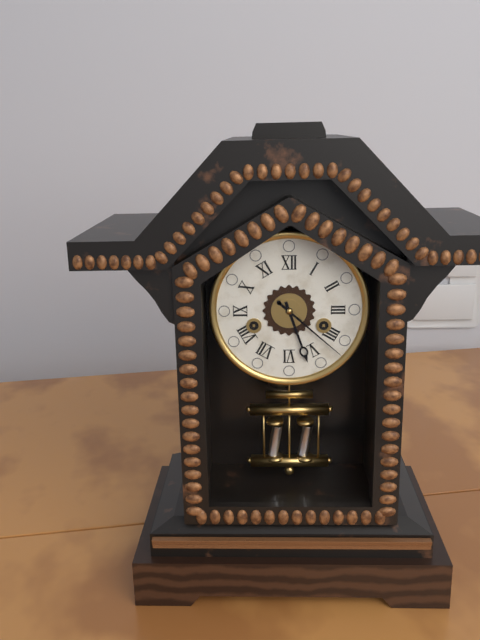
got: 5h22
